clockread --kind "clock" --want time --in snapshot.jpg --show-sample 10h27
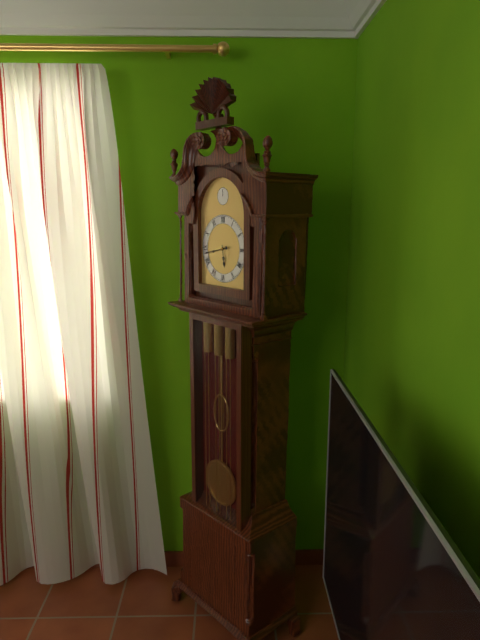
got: 5h43
